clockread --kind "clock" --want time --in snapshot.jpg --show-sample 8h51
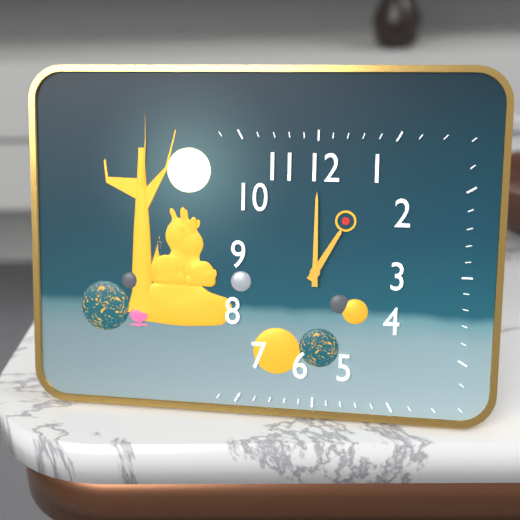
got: 1h00
